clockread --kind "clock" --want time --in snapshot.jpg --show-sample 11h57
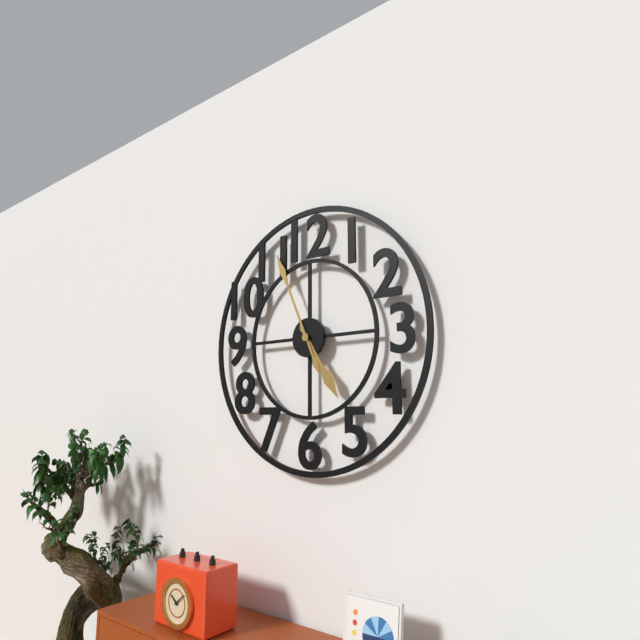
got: 4h56
